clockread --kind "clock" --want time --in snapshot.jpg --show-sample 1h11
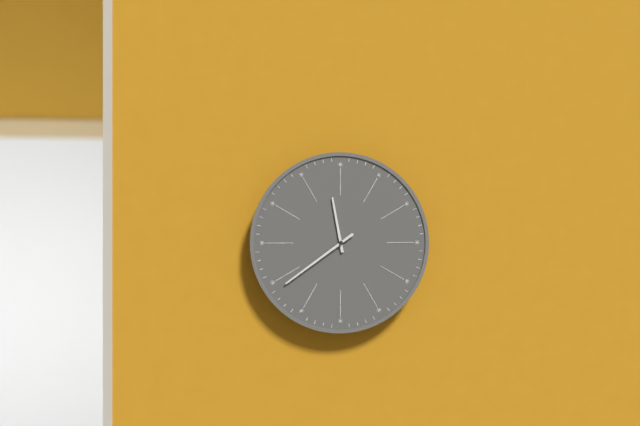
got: 11h39
